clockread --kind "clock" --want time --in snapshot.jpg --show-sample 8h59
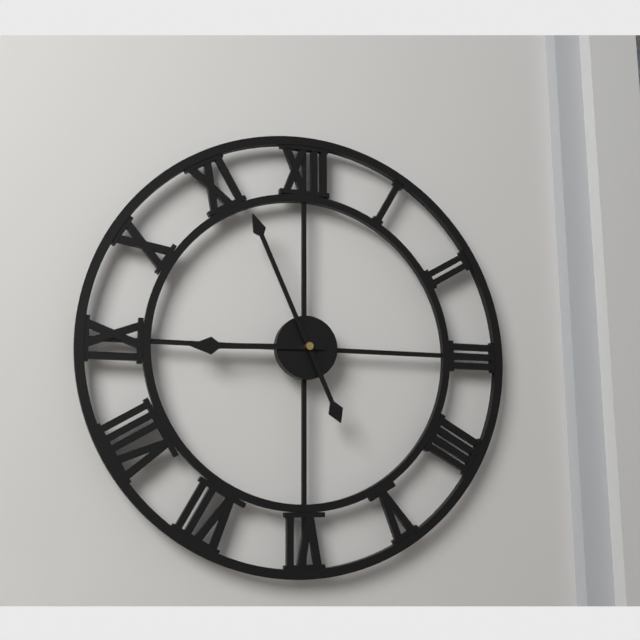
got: 8h56
